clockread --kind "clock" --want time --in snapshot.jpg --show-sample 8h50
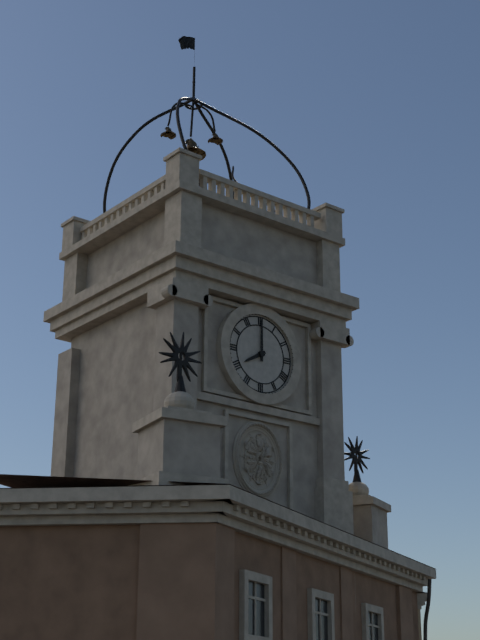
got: 8h00
